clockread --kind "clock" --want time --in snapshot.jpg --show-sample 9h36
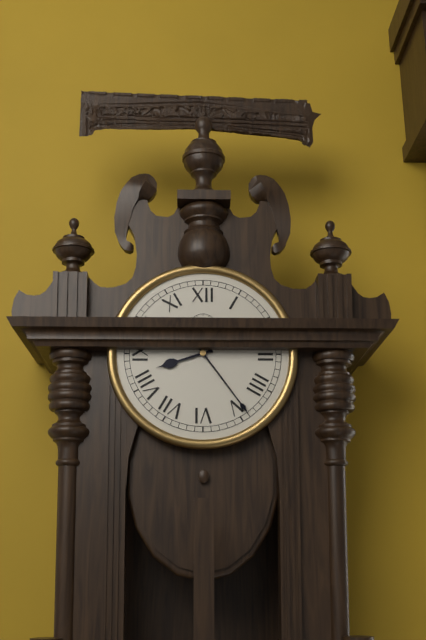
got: 8h24
